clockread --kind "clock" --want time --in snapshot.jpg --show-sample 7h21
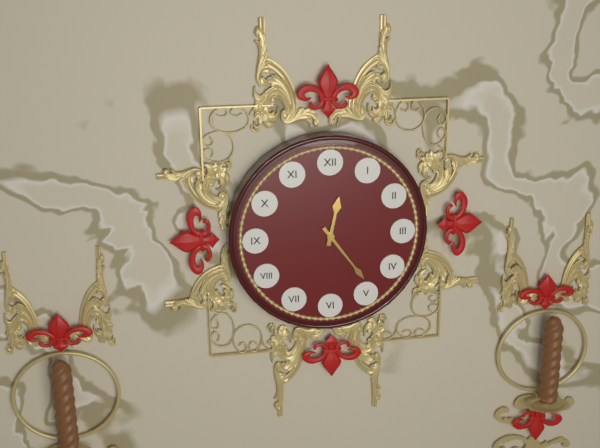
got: 12h24
